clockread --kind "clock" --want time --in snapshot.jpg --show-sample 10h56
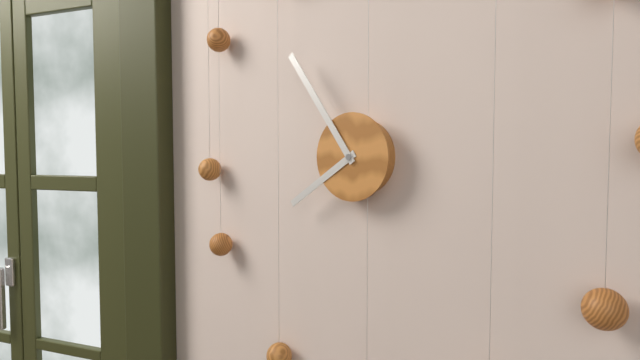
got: 7h54
